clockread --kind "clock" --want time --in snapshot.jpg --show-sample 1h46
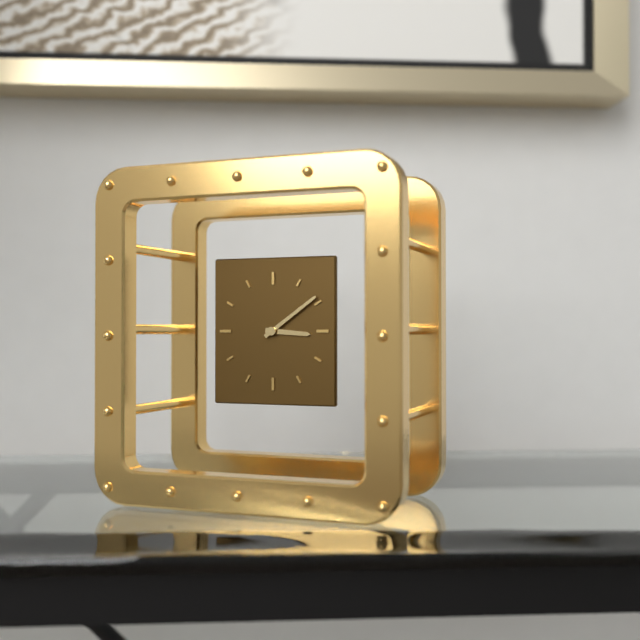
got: 3h09
